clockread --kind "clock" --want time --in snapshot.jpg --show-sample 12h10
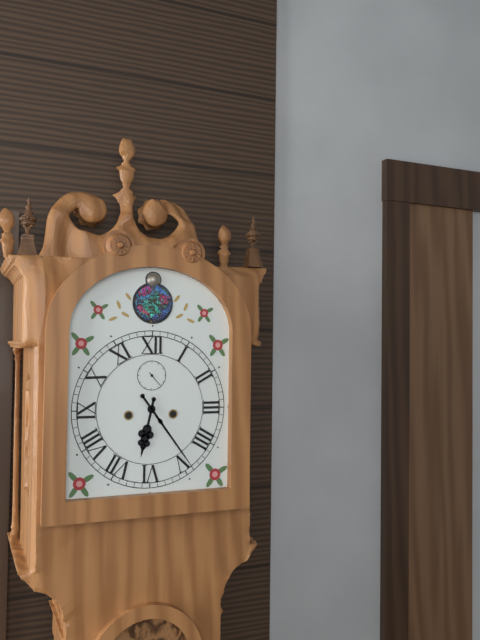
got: 6h24
